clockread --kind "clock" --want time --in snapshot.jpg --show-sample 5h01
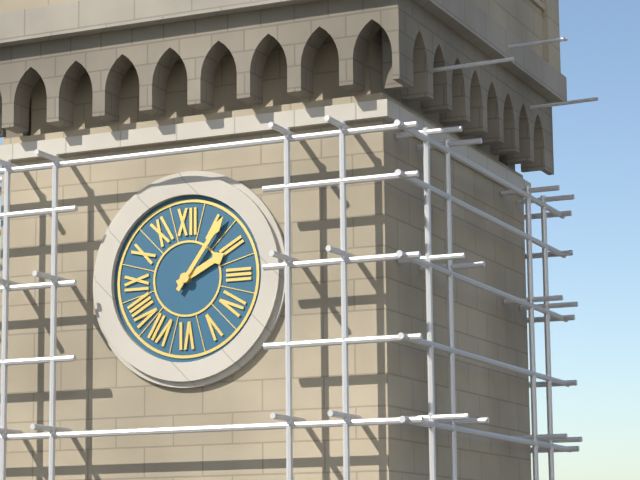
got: 2h06
